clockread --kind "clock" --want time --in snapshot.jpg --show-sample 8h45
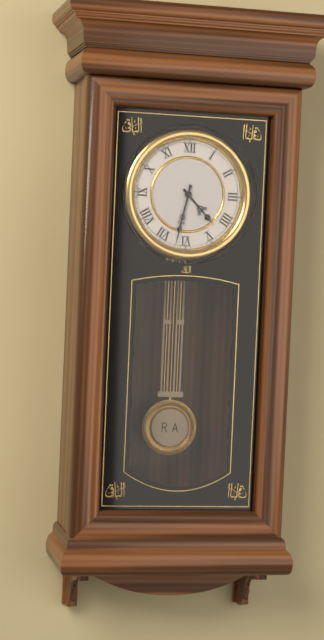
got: 4h32
